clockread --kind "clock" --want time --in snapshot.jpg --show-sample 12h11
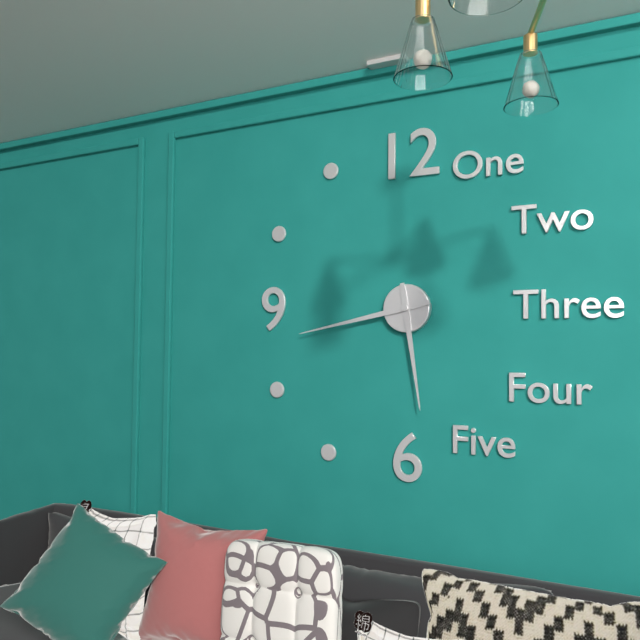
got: 5h43
